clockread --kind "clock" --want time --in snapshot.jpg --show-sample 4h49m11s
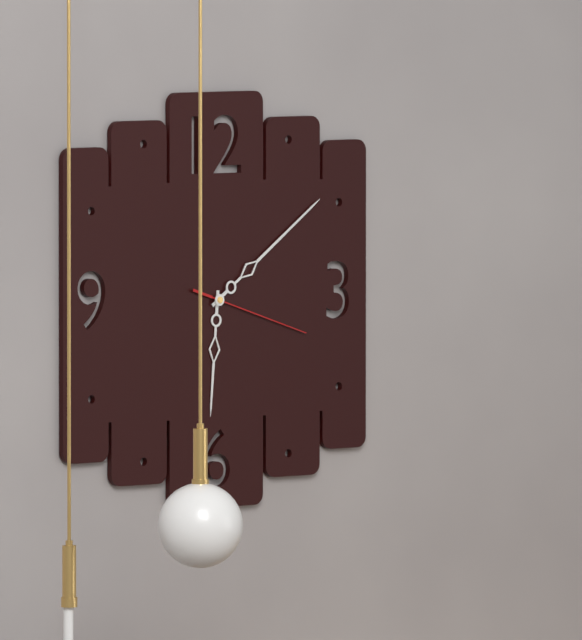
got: 6h09m18s
